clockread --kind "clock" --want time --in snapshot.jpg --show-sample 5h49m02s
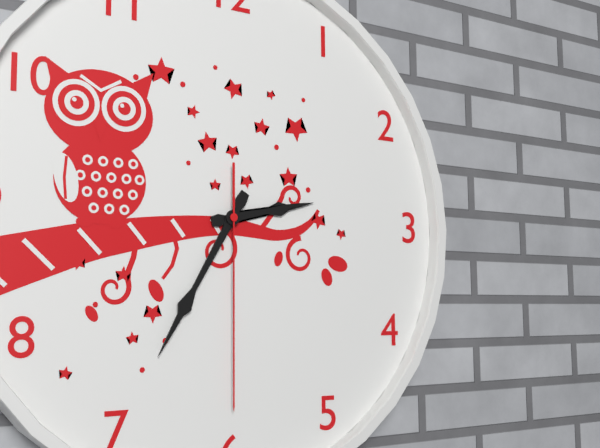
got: 2h35m30s
